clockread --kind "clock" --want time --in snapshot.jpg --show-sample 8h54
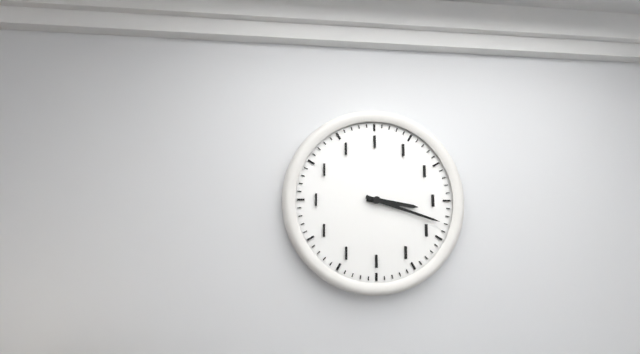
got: 3h18
